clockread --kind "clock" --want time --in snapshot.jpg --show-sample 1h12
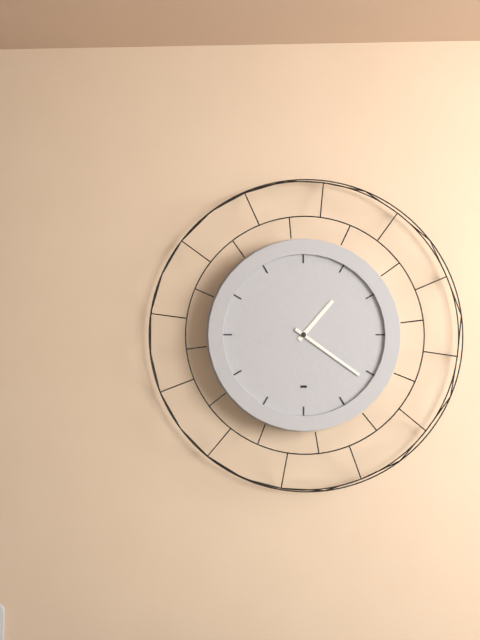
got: 1h21
